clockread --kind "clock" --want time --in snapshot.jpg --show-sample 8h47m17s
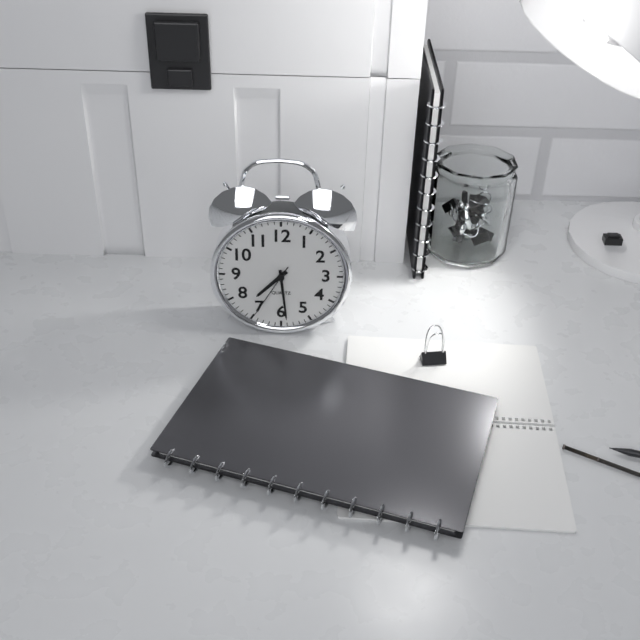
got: 7h29m35s
